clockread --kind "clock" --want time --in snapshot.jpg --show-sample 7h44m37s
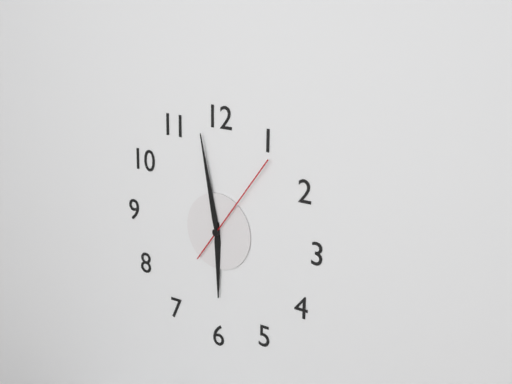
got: 5h58m06s
